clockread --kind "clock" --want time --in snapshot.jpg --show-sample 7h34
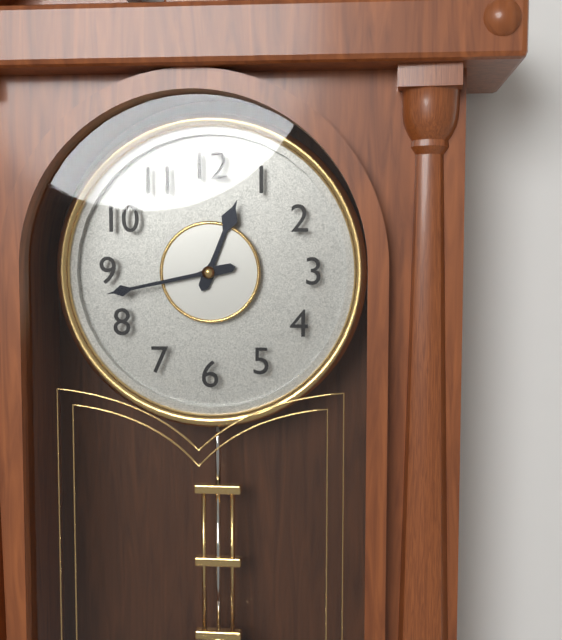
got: 12h43
